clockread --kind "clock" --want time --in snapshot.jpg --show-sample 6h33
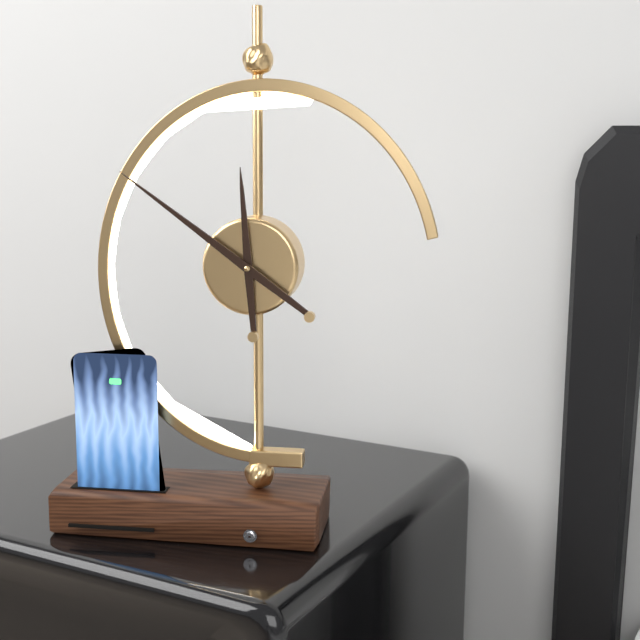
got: 11h51
